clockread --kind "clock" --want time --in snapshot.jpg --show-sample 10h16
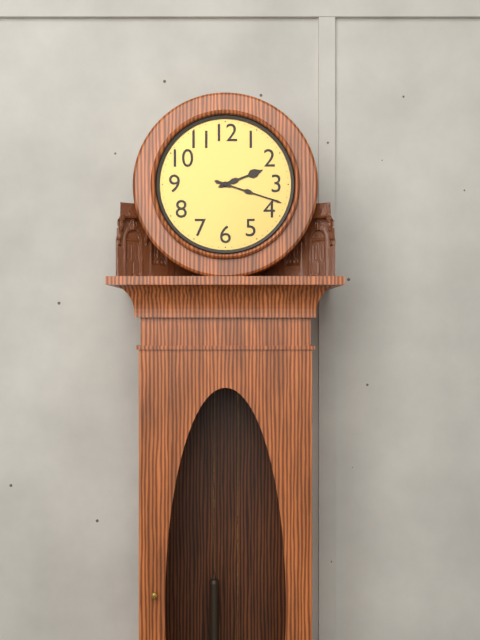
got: 2h18
